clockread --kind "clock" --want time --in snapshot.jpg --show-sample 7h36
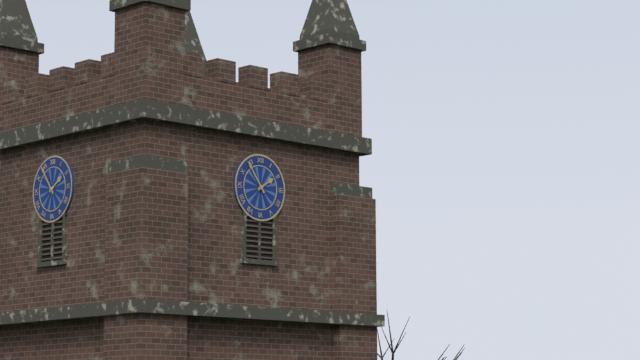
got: 1h54
